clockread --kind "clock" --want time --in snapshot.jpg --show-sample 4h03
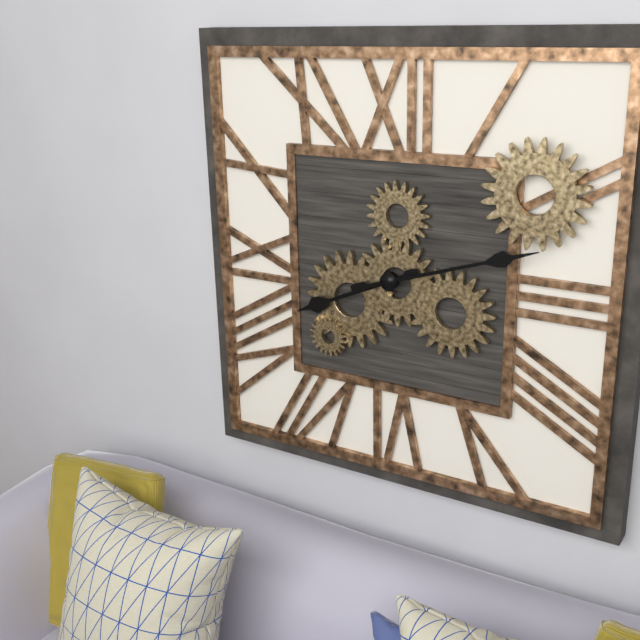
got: 8h12
